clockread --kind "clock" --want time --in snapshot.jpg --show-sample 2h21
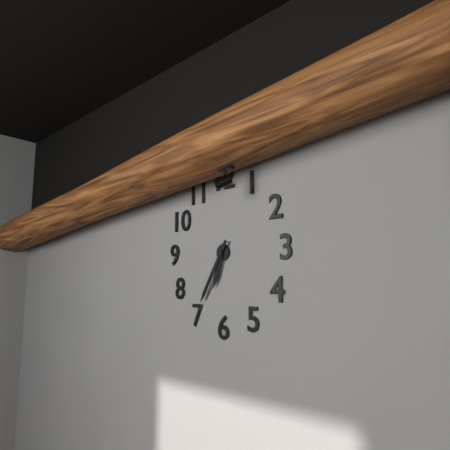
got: 6h35
